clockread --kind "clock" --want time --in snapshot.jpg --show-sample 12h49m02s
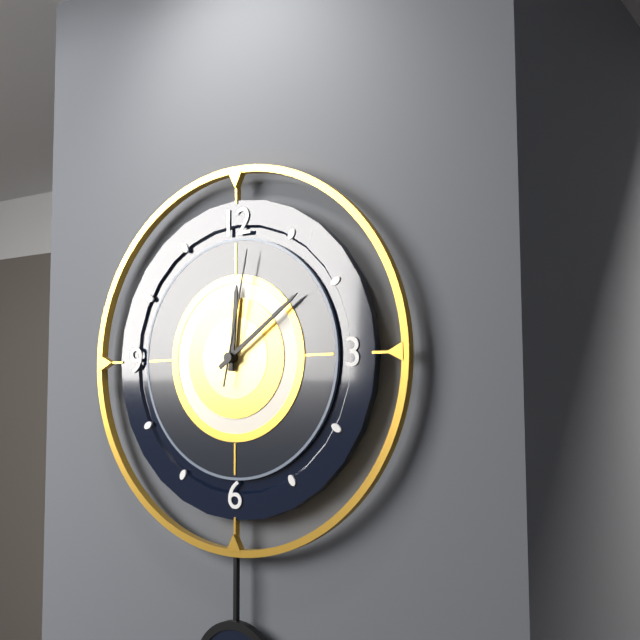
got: 12h09m02s
